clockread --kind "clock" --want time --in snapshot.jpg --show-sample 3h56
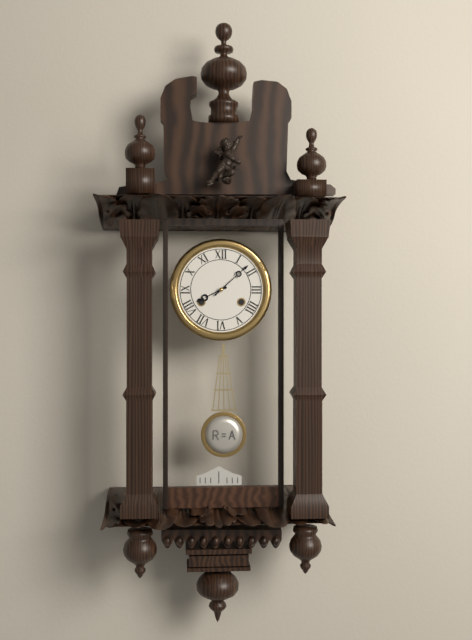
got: 8h08
